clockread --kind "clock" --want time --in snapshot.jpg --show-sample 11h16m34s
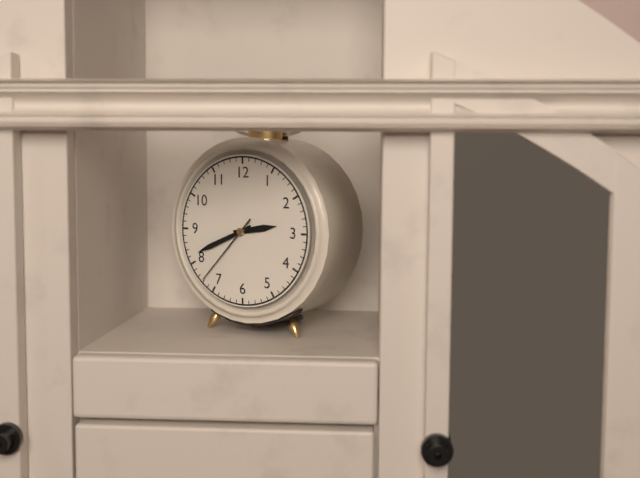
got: 2h41m37s
